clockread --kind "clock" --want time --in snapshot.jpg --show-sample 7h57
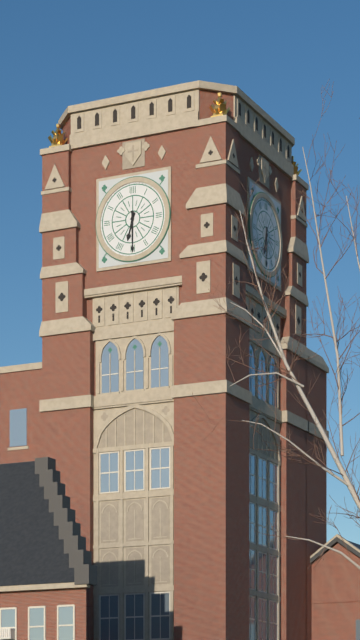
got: 6h30
